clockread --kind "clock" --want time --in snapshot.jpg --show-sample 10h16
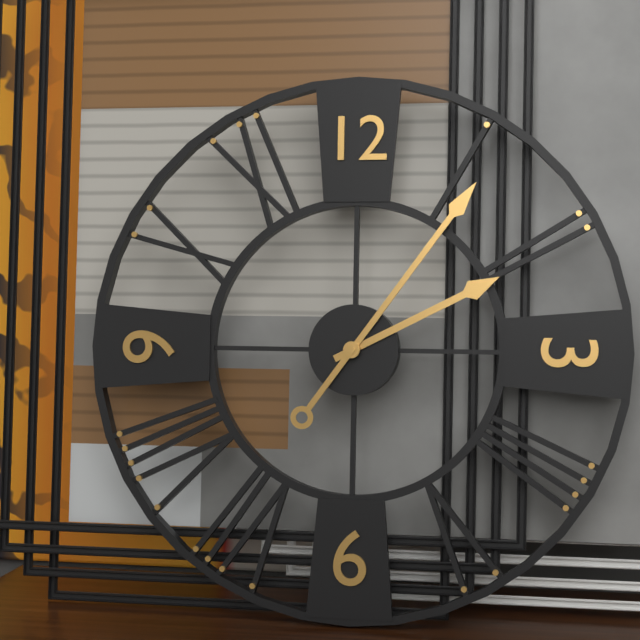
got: 2h06
